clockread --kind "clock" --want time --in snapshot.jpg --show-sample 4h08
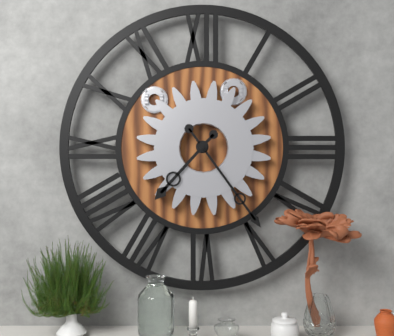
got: 7h24
